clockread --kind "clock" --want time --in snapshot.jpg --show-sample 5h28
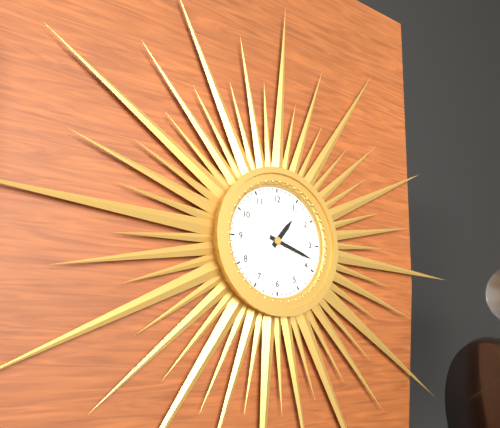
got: 1h18
